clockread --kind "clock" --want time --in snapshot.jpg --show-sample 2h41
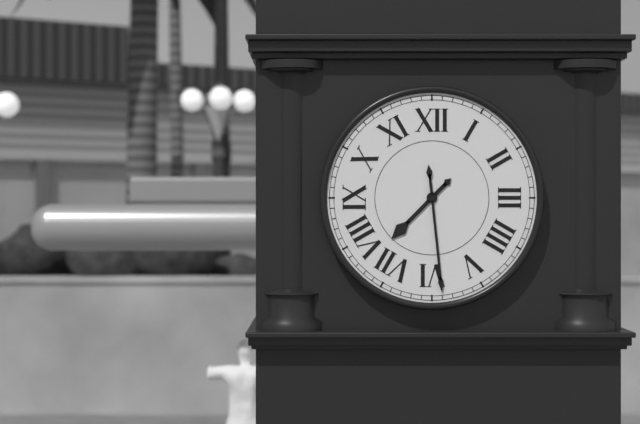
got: 7h29
